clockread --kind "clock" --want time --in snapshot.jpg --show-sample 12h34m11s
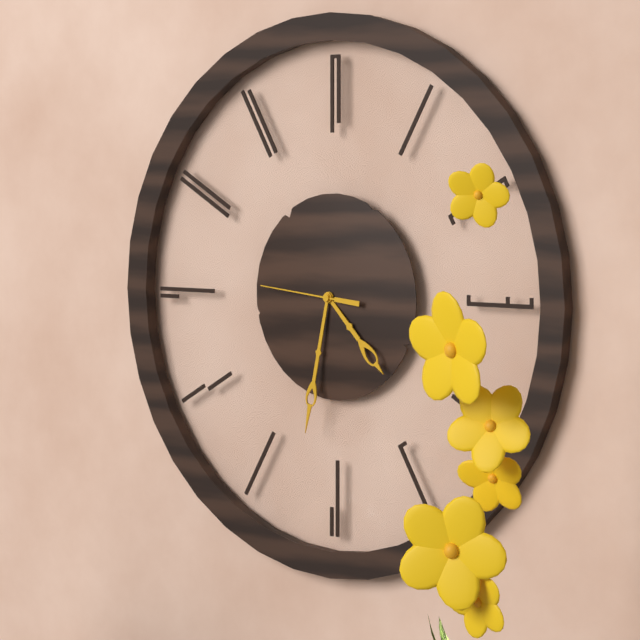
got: 4h32m46s
